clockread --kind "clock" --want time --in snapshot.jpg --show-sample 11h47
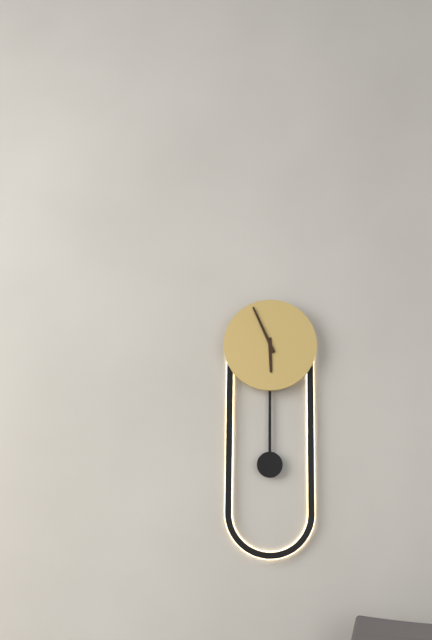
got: 5h56
